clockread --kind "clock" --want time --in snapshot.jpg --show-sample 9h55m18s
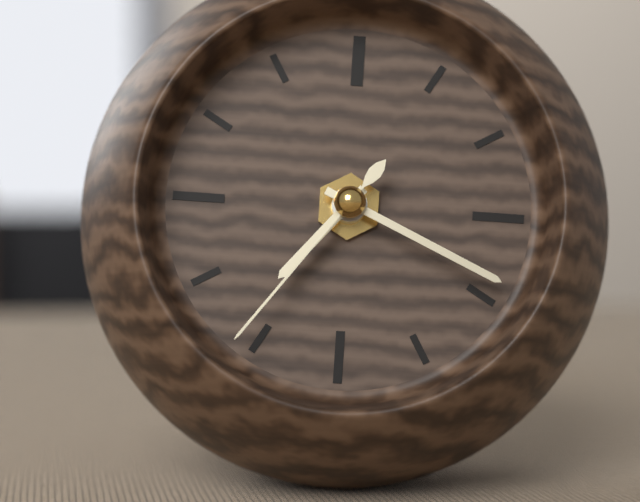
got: 7h19m36s
